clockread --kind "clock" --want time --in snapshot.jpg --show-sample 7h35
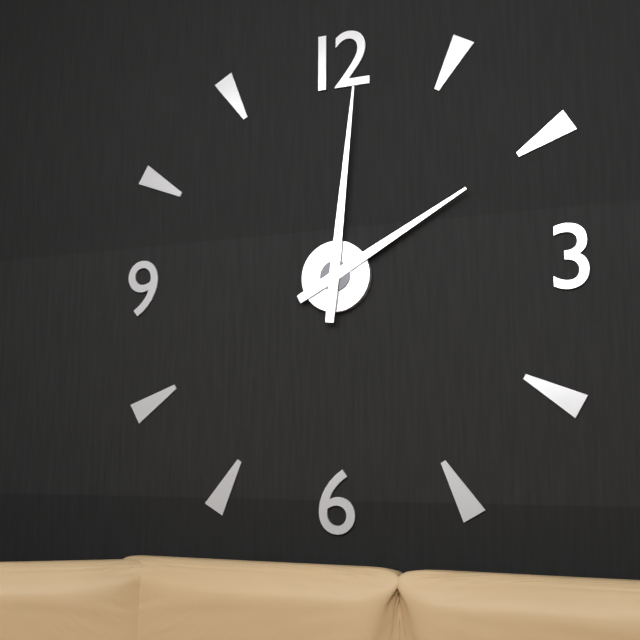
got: 2h01
